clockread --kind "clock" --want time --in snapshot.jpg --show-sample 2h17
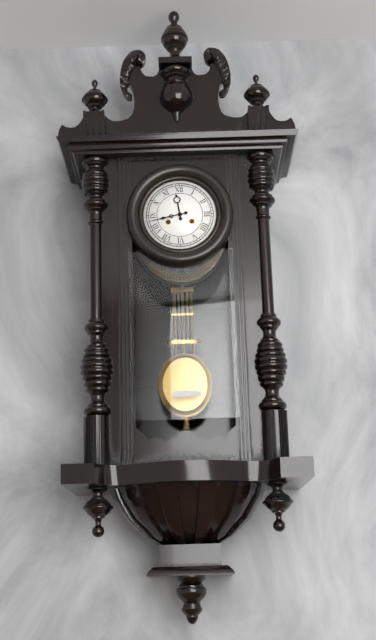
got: 11h43
